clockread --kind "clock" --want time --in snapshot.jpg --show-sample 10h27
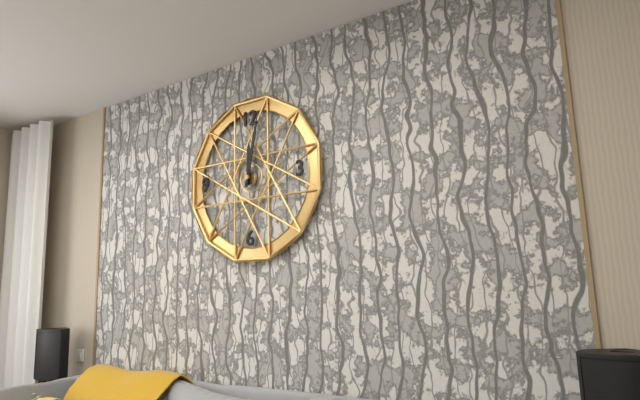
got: 12h02
